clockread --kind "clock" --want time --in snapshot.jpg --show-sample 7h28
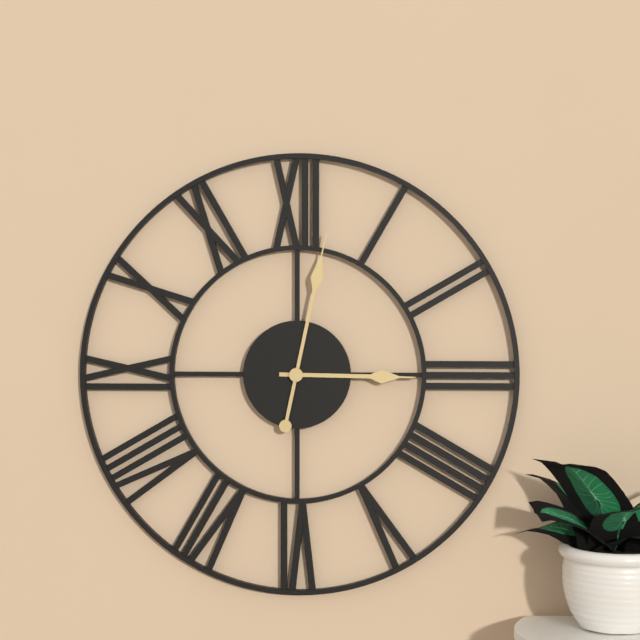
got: 3h02
